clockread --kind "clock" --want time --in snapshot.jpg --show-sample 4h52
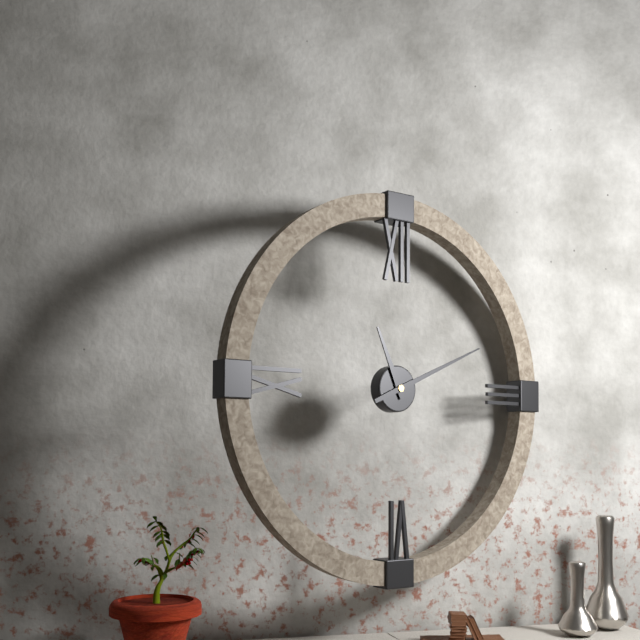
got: 11h11
